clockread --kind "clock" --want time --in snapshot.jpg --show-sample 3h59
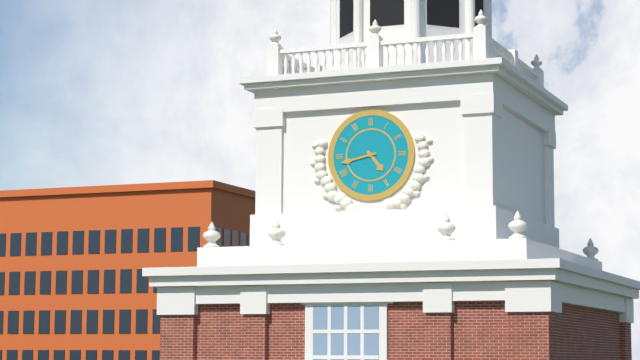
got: 4h43
